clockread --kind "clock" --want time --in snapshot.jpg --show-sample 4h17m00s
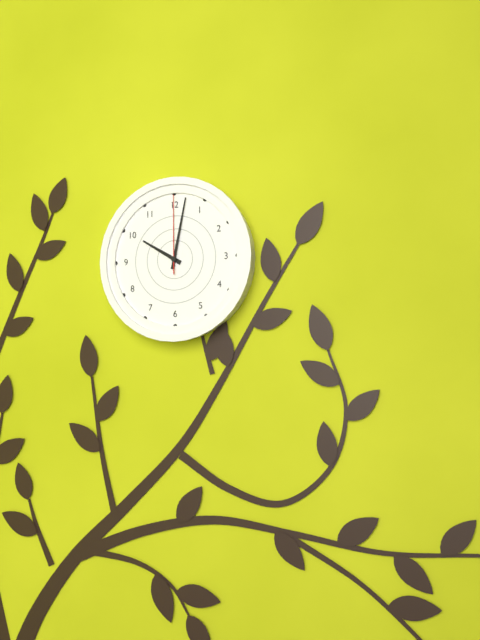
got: 10h02m00s
